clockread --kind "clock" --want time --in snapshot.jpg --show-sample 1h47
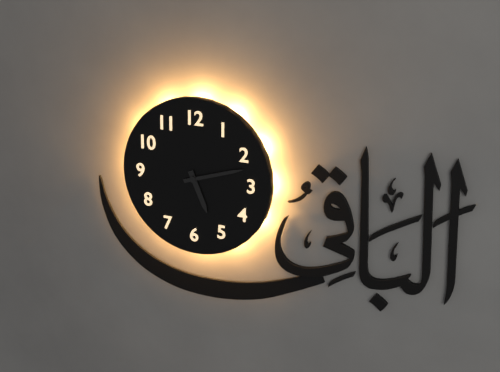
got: 5h12
